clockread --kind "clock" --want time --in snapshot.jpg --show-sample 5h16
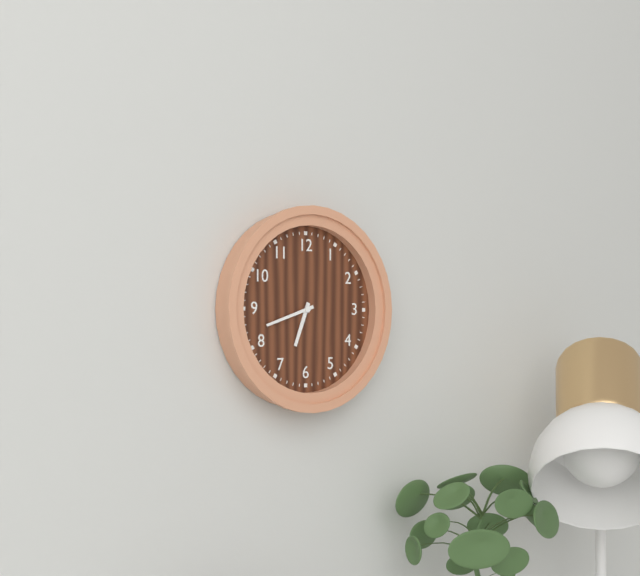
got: 6h42
